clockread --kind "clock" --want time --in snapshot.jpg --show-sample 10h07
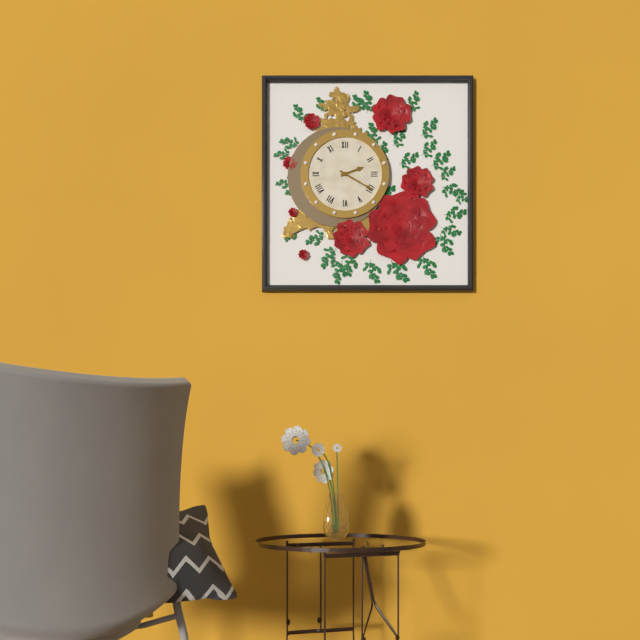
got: 2h20
